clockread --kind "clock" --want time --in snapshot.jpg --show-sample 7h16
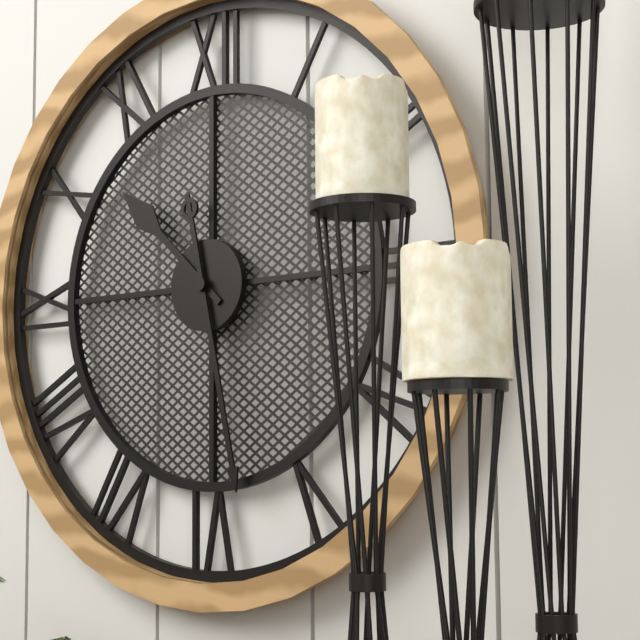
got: 10h28
